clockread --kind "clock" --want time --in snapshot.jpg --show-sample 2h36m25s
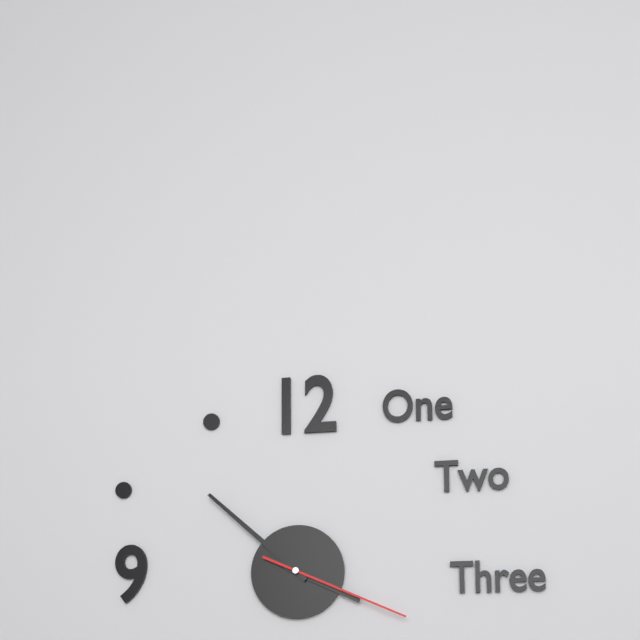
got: 3h52m19s
